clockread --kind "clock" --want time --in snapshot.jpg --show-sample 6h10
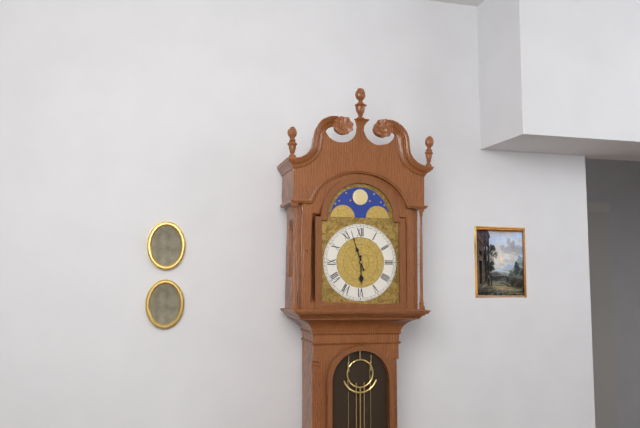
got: 5h57
